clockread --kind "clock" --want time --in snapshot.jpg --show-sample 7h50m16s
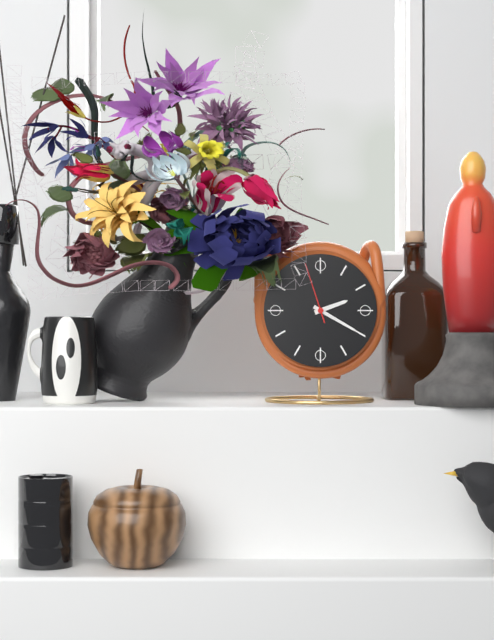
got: 2h20m57s
